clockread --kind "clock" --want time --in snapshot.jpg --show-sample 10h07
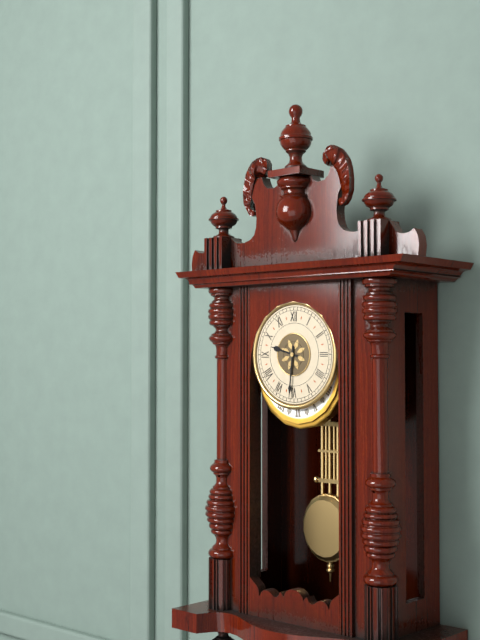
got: 9h31
